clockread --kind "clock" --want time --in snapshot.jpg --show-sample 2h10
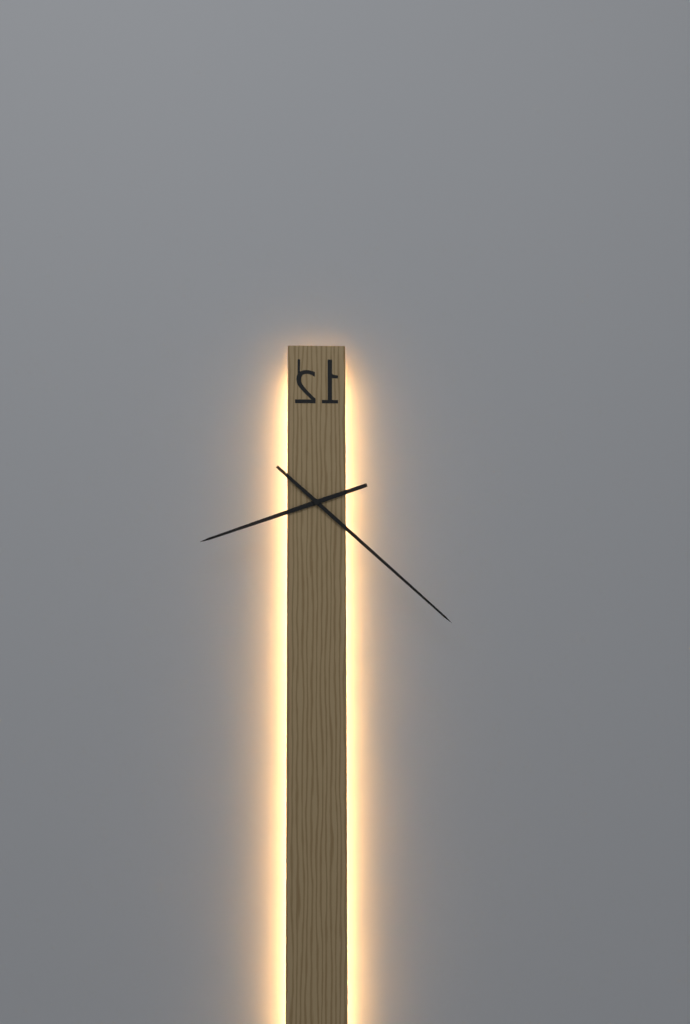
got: 8h22
